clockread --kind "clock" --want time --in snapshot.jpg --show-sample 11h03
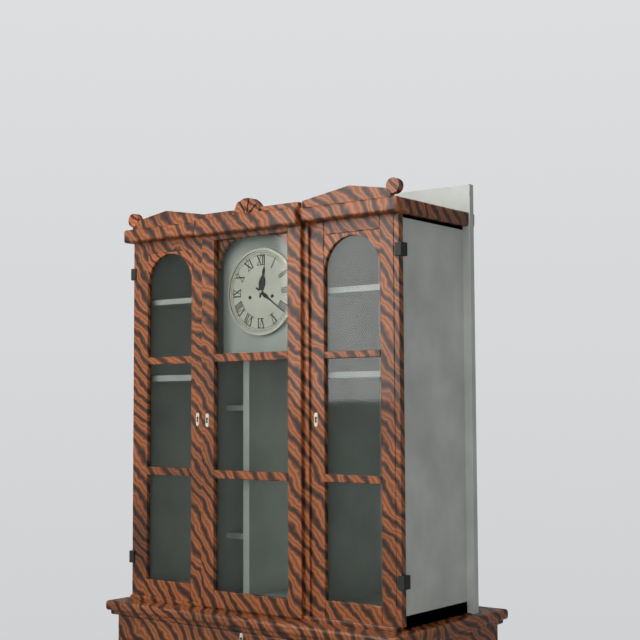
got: 12h21
